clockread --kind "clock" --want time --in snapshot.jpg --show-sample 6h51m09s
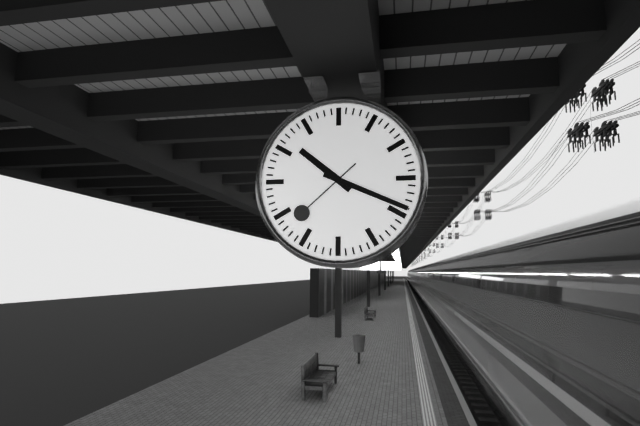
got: 10h19m38s
